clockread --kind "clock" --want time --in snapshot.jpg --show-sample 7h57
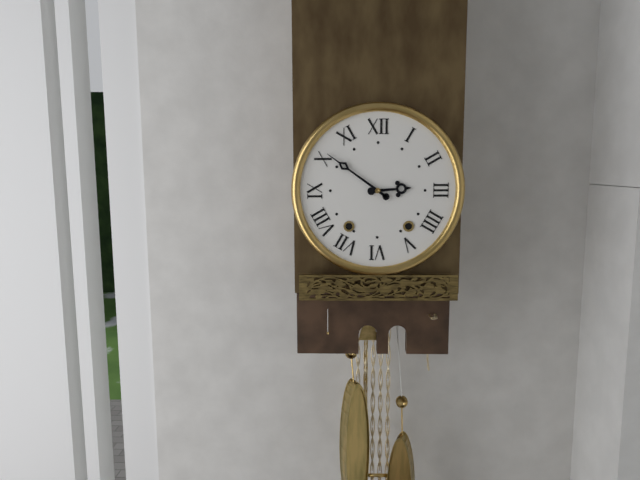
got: 2h51
